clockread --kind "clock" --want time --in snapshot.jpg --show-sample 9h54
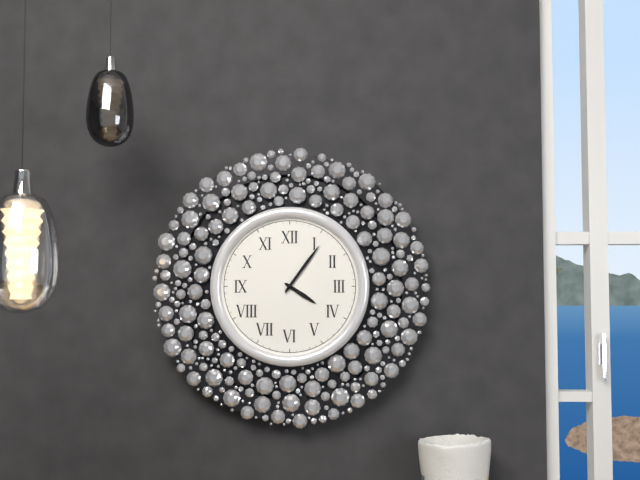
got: 4h06
